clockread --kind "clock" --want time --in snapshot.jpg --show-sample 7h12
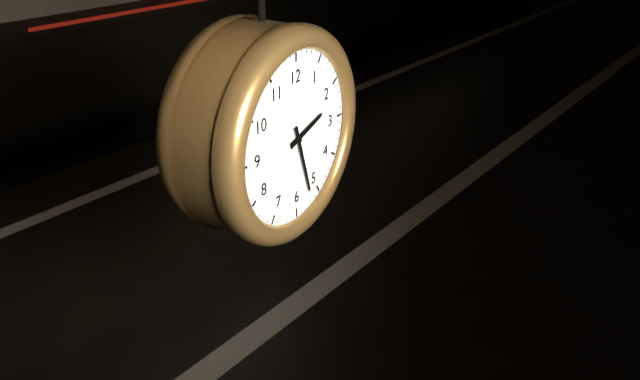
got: 2h27
